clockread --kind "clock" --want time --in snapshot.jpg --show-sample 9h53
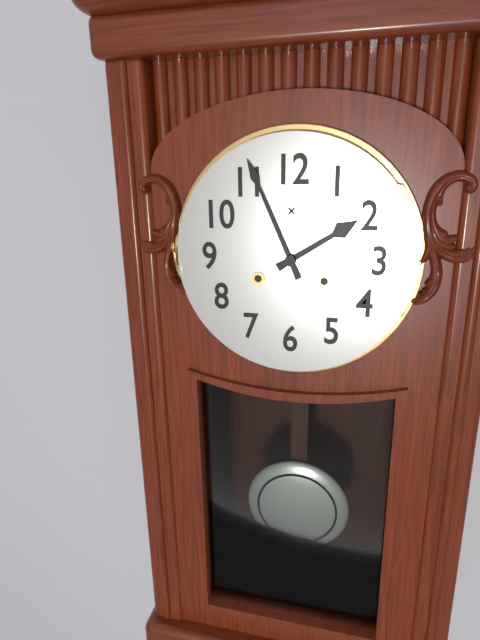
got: 1h56
